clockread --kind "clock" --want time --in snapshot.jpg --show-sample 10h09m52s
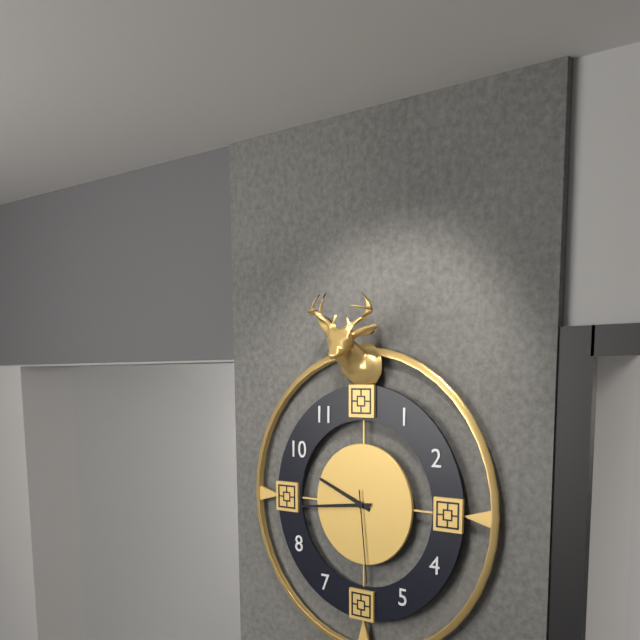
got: 9h44m29s
